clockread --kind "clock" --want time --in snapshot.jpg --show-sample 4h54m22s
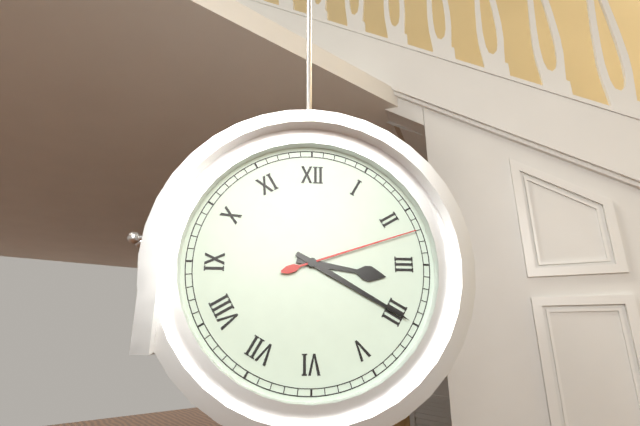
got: 3h20m12s
